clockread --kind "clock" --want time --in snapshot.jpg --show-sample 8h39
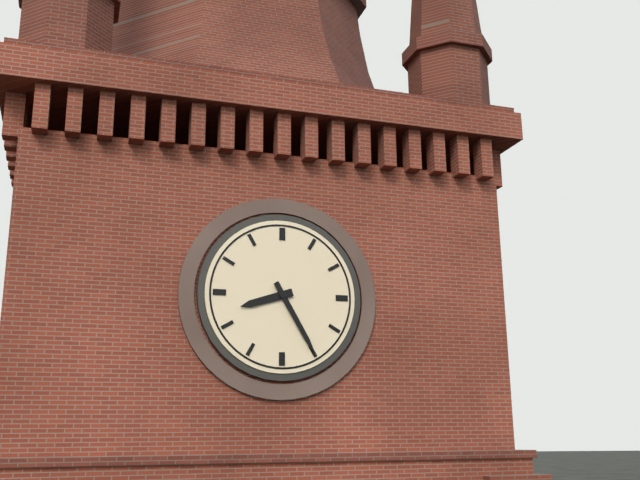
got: 8h25
